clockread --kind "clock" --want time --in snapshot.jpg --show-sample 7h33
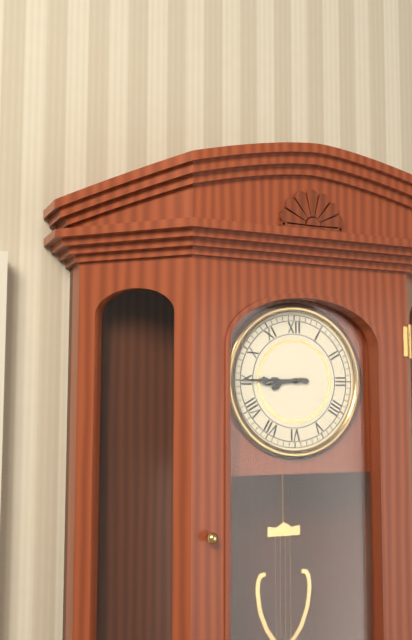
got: 8h45
